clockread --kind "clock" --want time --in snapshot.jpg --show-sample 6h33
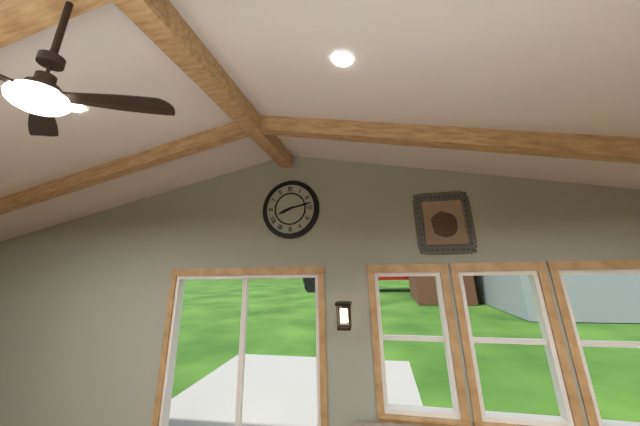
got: 8h13
